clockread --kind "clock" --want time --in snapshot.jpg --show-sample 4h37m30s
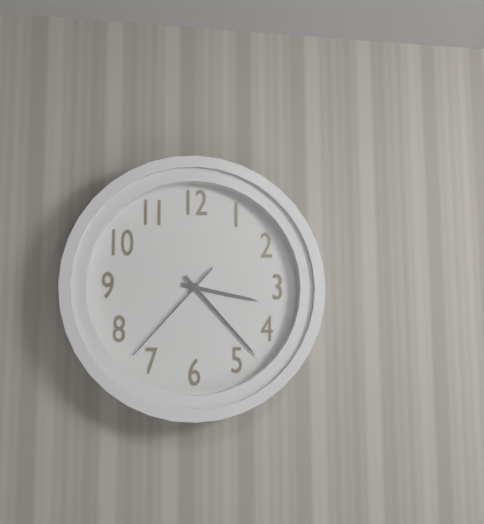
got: 3h23m37s
